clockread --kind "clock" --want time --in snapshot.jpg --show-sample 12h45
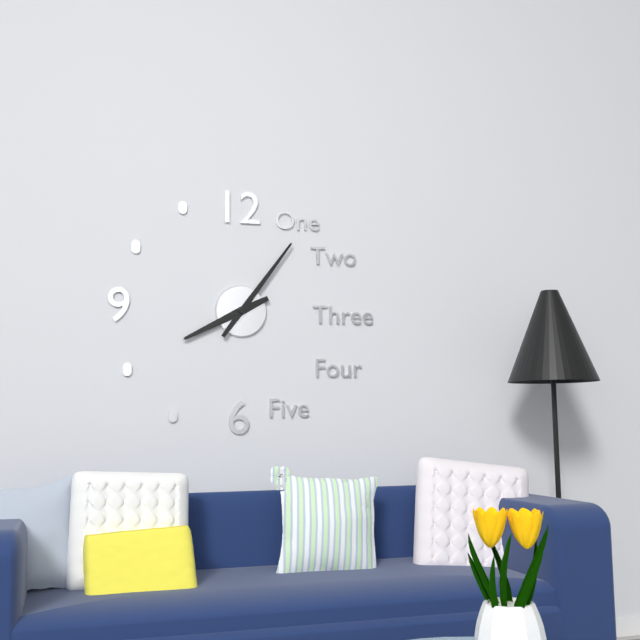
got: 8h06
